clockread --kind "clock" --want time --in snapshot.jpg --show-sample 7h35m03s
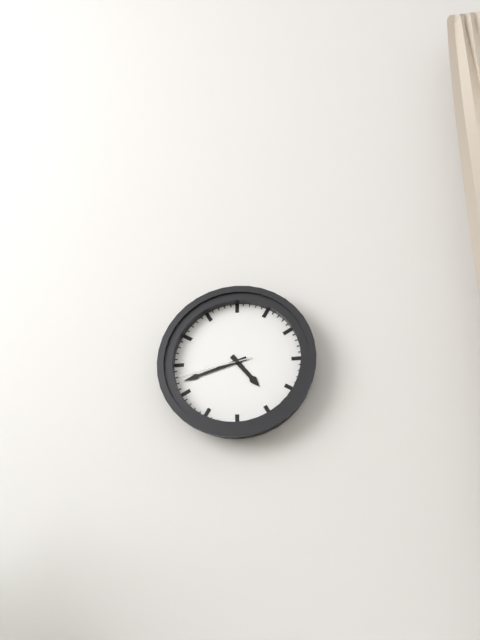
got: 4h42m43s
